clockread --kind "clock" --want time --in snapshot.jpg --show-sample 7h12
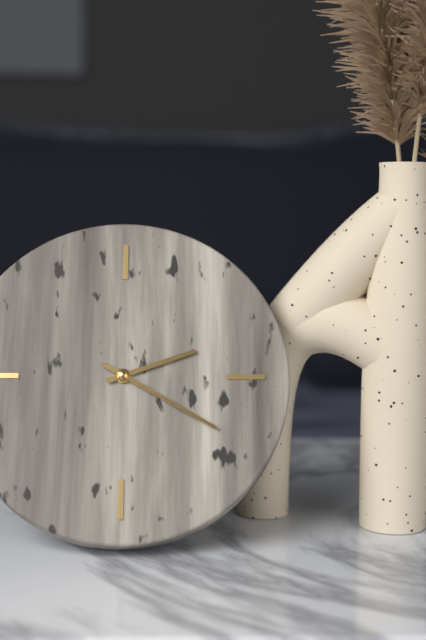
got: 2h20
